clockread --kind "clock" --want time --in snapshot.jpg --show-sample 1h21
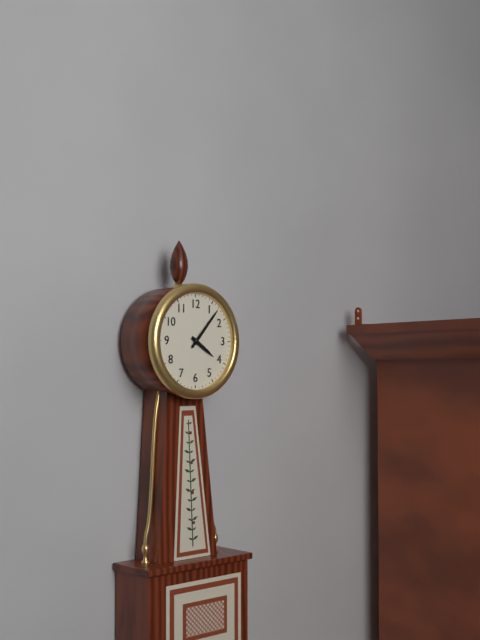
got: 4h07
